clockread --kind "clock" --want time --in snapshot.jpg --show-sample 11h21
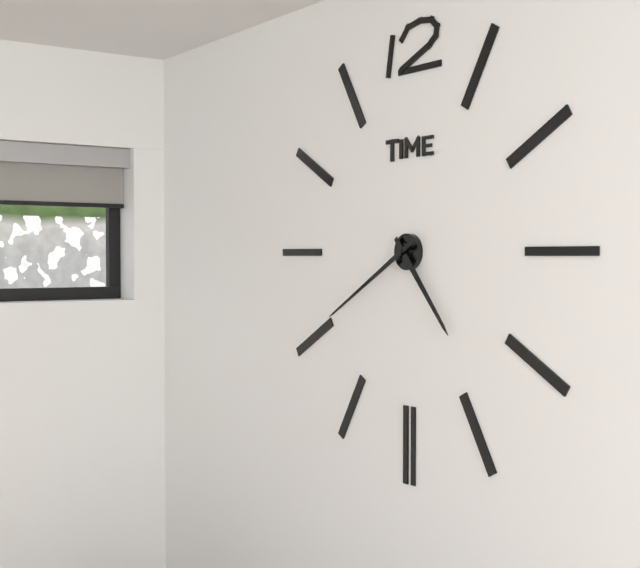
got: 4h40
